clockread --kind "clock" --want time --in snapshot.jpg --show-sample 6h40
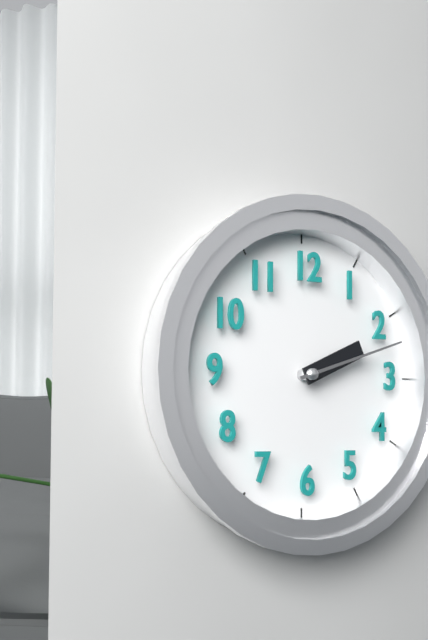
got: 2h12
